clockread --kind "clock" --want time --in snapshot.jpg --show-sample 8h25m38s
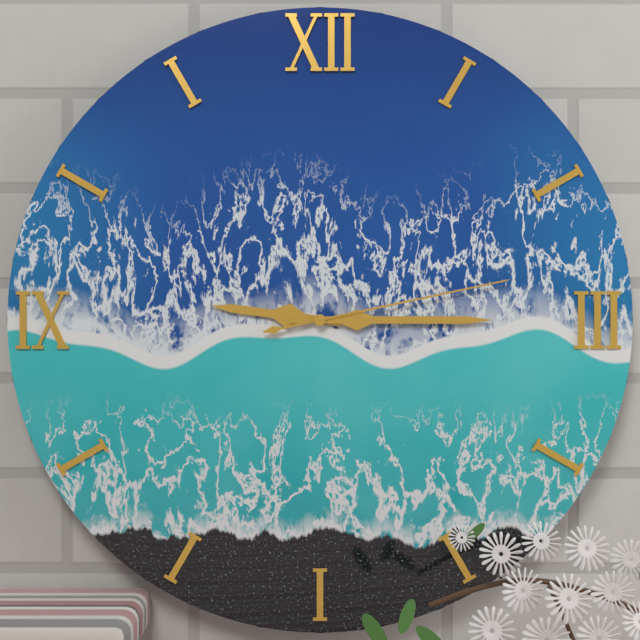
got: 9h15m13s
